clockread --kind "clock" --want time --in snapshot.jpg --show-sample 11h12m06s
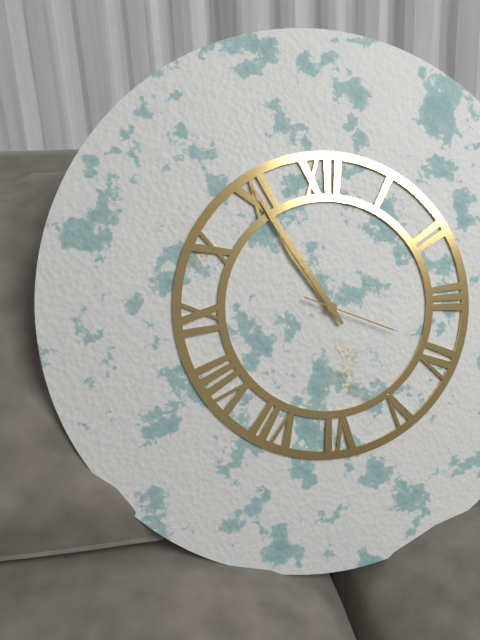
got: 10h55m19s
